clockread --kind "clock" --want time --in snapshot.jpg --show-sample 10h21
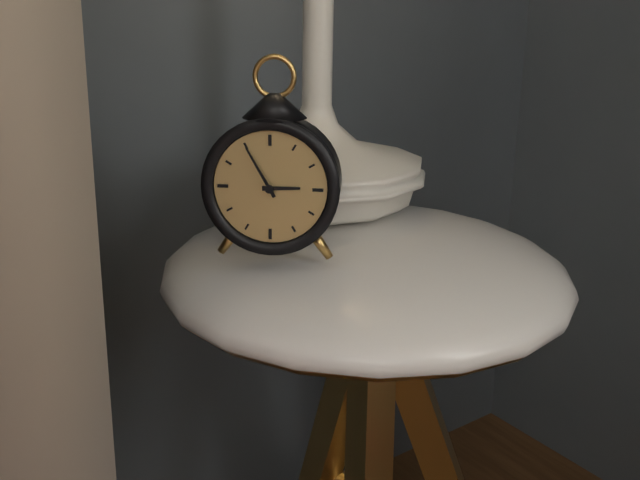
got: 2h55
